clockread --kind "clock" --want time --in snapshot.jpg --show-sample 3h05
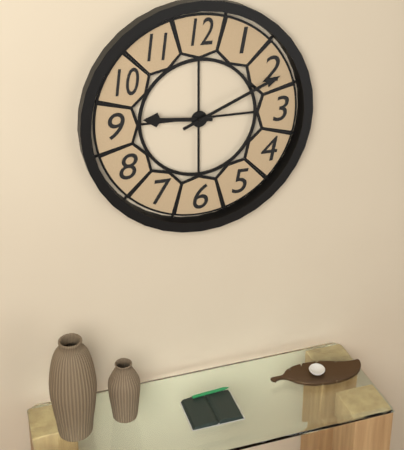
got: 9h11
